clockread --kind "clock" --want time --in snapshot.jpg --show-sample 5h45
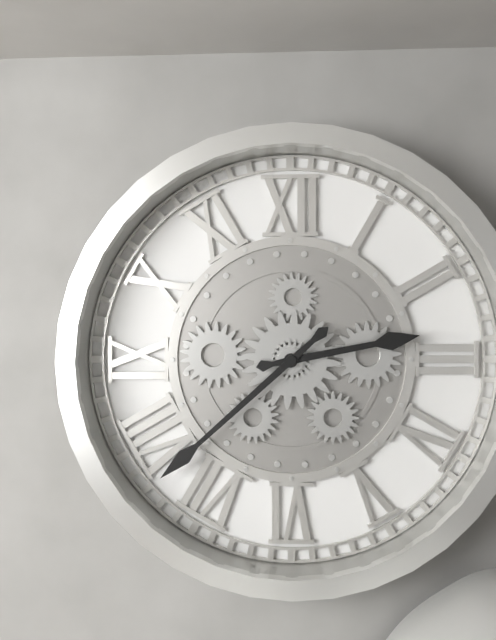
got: 2h38
